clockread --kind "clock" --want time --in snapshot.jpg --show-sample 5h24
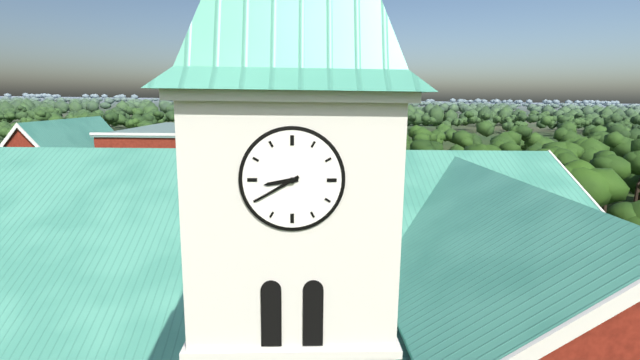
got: 8h40
